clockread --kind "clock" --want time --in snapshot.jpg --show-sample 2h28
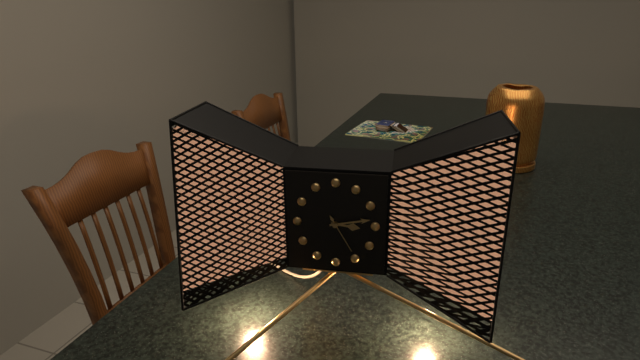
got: 3h13
